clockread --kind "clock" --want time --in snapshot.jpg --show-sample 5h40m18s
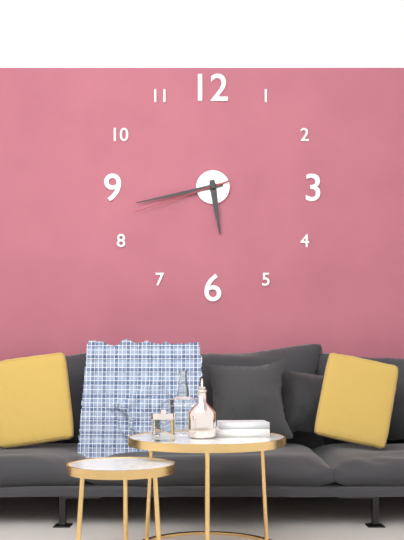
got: 5h43m42s
